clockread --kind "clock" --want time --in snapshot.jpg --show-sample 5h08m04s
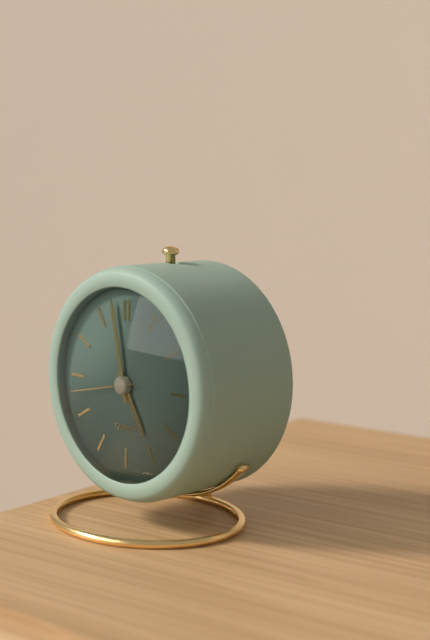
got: 4h58m43s
